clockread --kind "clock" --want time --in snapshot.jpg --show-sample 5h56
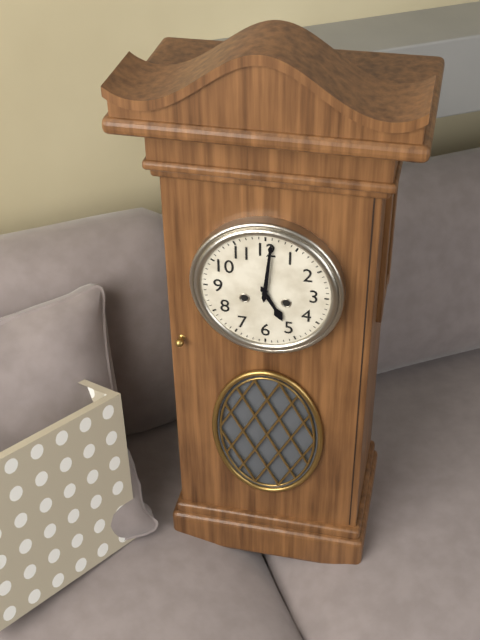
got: 5h01
